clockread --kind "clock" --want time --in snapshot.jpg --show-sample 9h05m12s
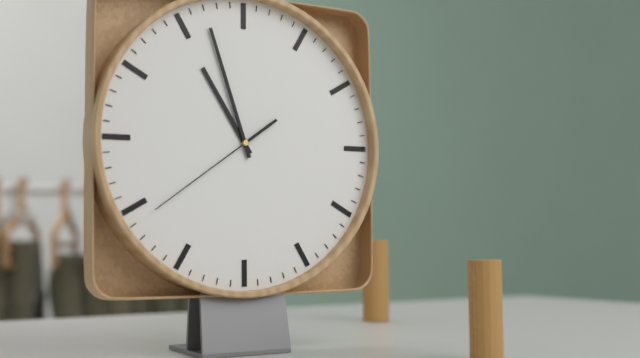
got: 10h57m39s
